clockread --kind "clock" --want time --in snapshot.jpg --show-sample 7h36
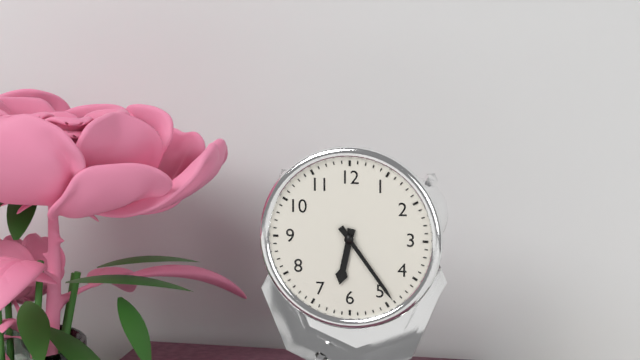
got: 6h24
